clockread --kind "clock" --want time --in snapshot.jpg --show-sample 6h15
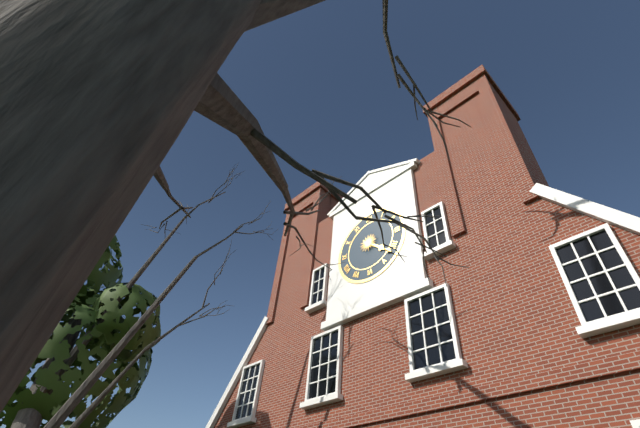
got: 4h22
